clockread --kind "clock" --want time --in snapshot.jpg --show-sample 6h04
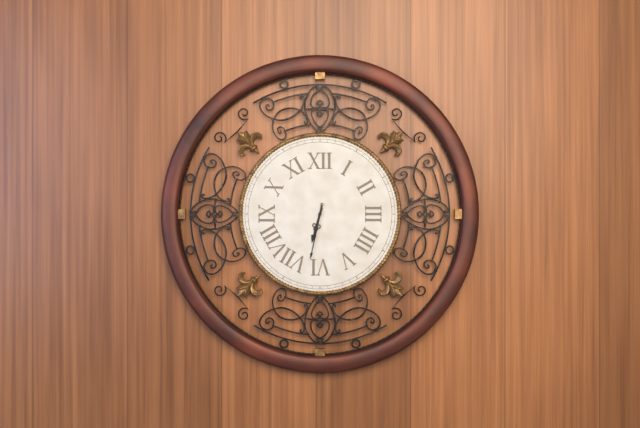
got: 6h32
